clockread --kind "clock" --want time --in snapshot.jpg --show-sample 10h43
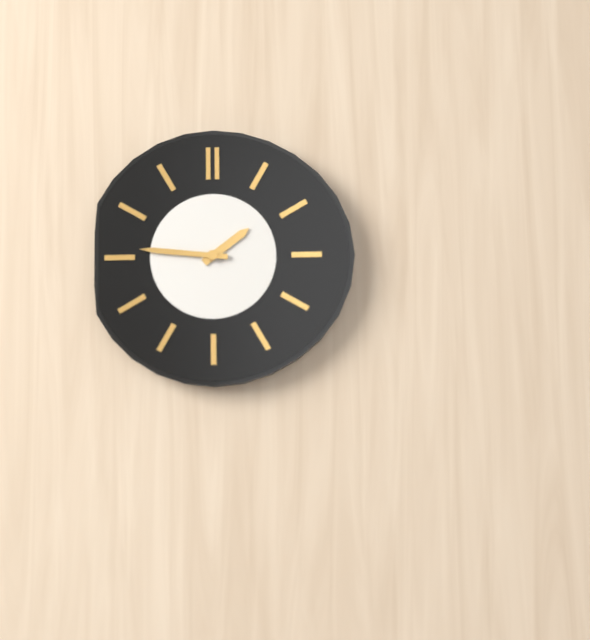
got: 1h46
